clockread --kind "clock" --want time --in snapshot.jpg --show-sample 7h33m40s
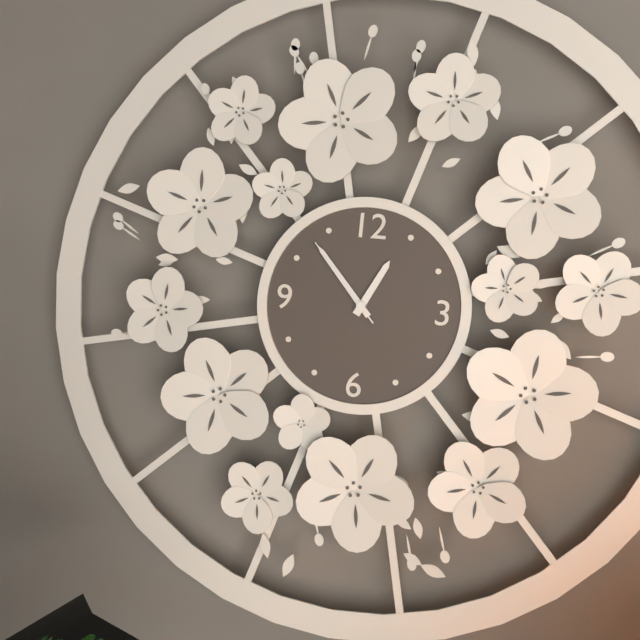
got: 12h53m53s
